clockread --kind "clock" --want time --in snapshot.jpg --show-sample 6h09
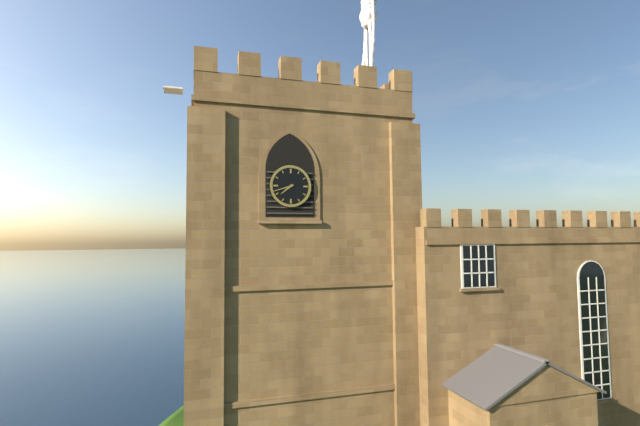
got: 7h42
